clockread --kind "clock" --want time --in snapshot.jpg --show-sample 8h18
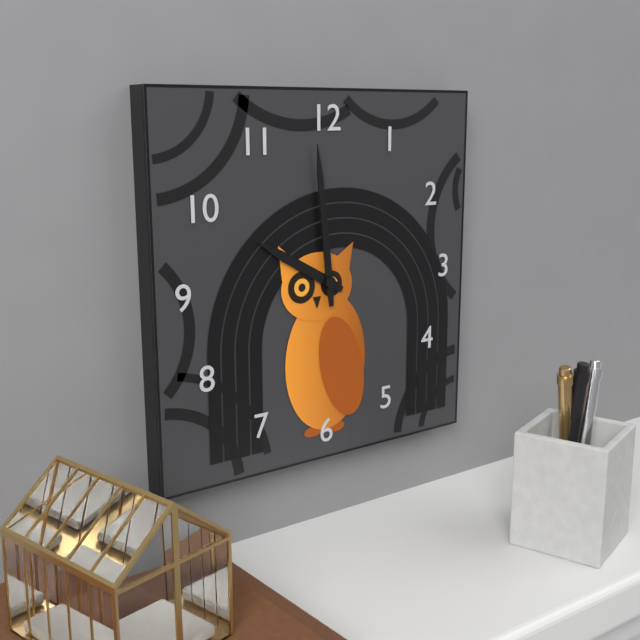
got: 9h59
